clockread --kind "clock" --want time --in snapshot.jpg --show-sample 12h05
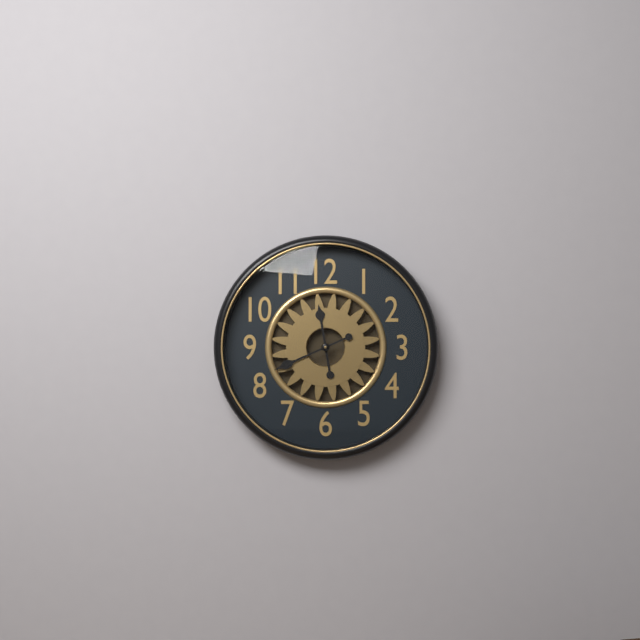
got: 11h41
